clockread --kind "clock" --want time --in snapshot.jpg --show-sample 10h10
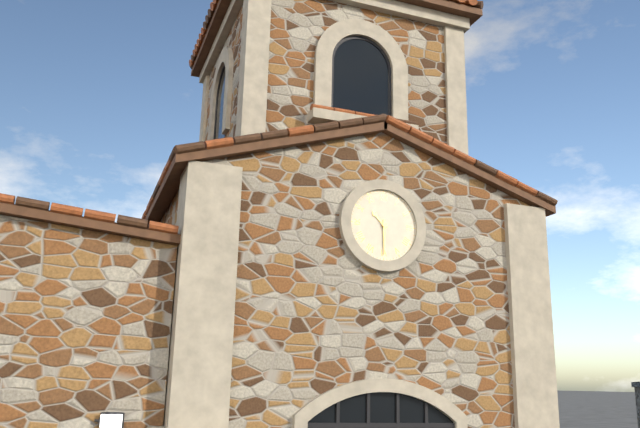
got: 10h30
